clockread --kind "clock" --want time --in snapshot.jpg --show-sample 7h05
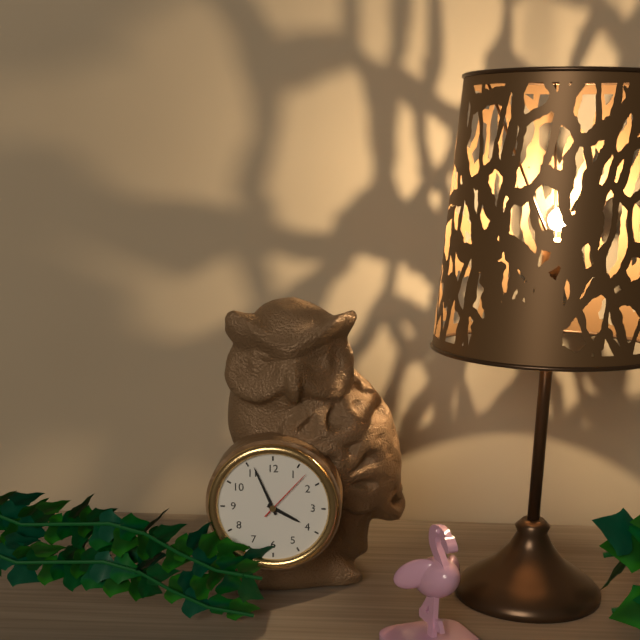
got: 3h56
